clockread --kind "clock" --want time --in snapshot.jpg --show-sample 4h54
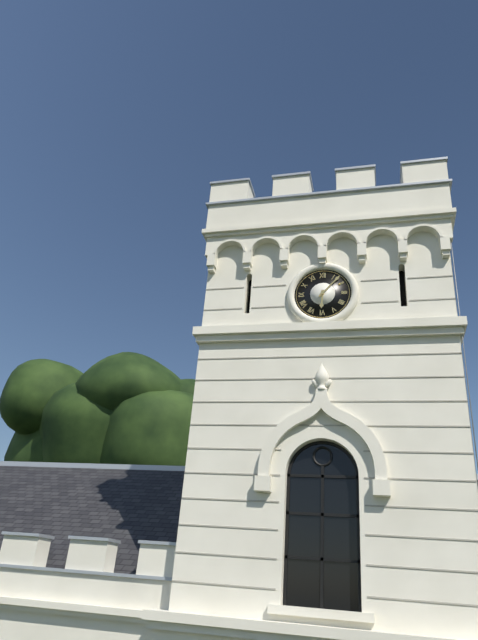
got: 6h07
